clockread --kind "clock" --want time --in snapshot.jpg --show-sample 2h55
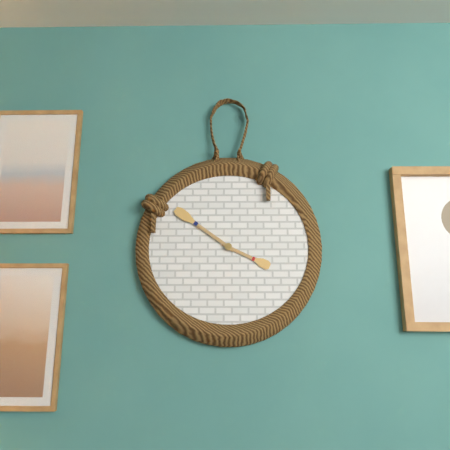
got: 3h51
